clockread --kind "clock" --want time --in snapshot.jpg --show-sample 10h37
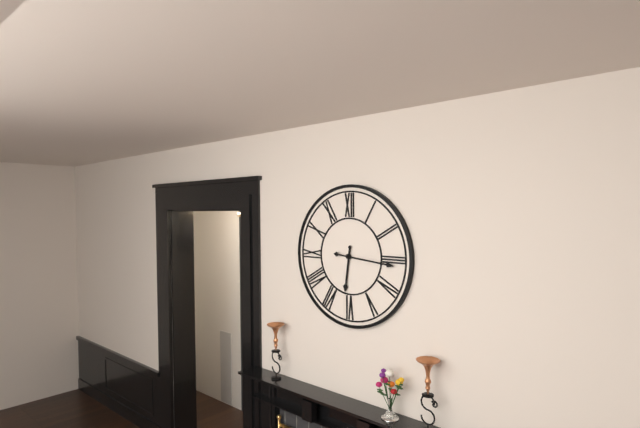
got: 6h16
